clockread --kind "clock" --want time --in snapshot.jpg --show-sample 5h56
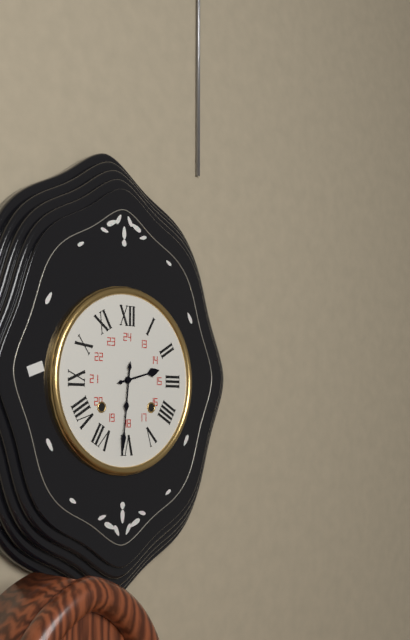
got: 2h31
